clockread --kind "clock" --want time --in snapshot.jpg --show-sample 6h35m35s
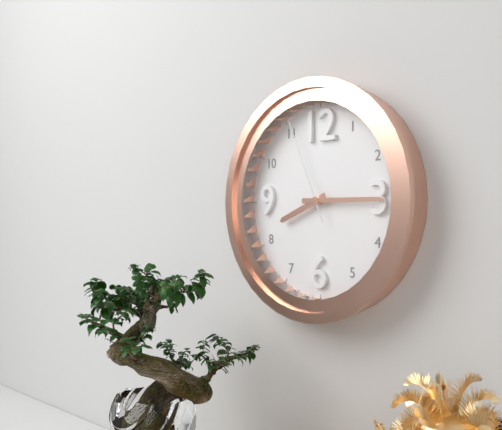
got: 8h15m56s
